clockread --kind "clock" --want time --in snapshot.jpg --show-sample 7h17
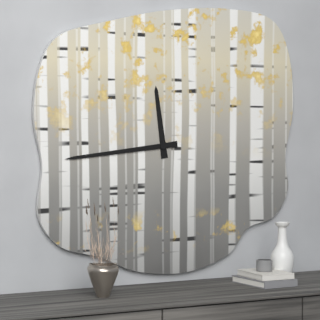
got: 11h44
